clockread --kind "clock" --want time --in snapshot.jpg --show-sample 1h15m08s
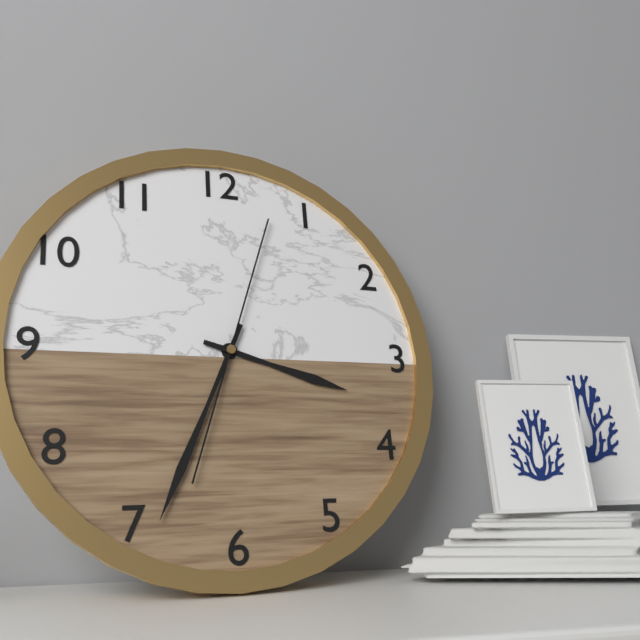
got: 3h34m03s
